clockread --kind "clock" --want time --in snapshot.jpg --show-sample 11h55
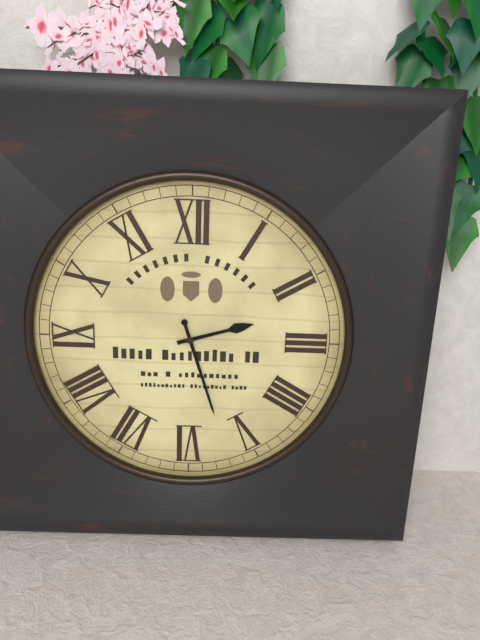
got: 2h27
